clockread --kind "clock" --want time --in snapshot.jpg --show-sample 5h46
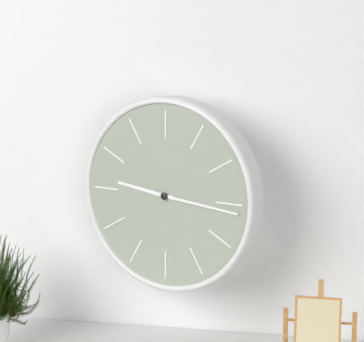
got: 9h16
